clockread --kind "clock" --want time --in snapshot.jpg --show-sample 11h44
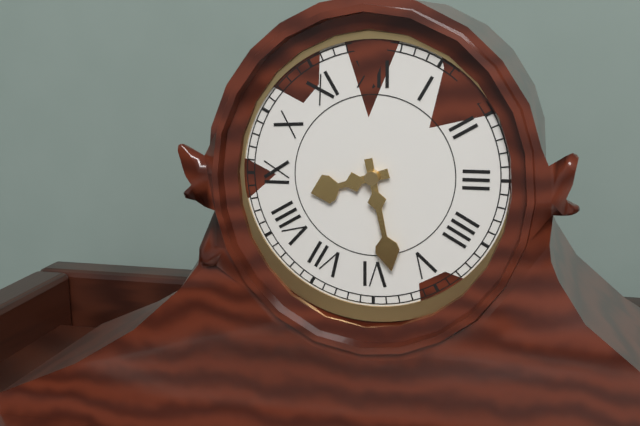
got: 8h28
